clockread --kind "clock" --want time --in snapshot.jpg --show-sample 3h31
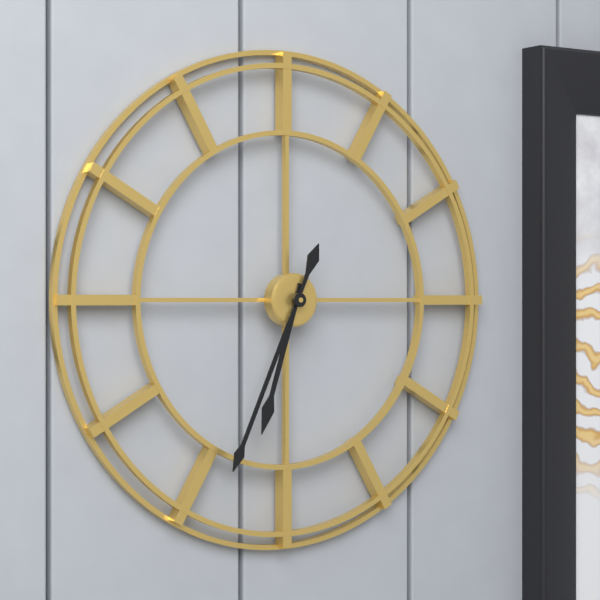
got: 6h34
